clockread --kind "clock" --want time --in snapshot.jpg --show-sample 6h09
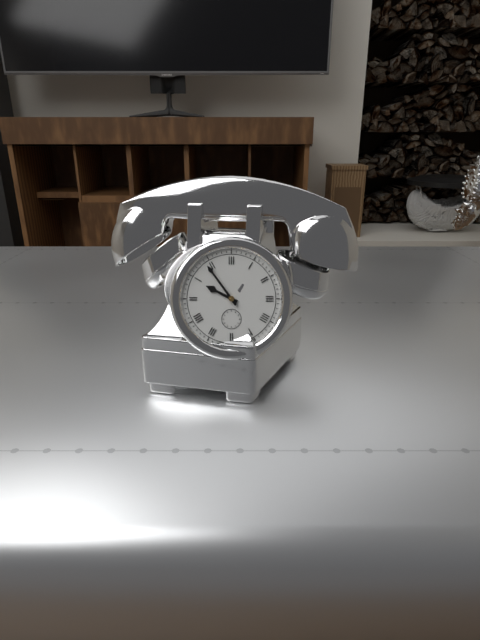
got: 9h54
